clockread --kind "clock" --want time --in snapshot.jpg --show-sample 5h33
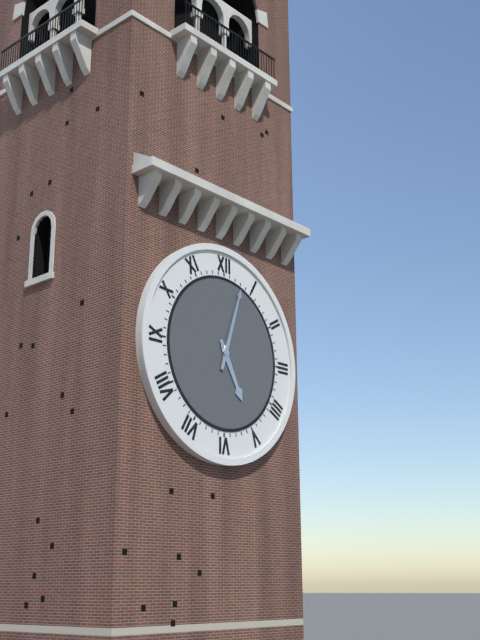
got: 5h03
